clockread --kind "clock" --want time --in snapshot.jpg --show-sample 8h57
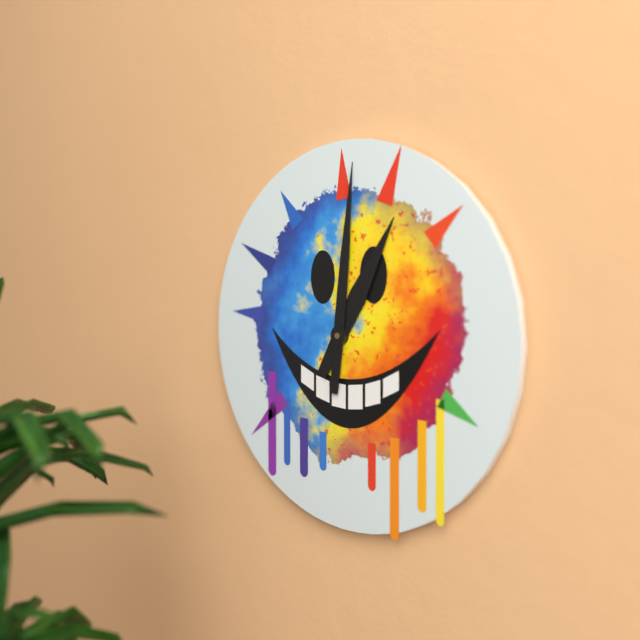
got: 1h01
